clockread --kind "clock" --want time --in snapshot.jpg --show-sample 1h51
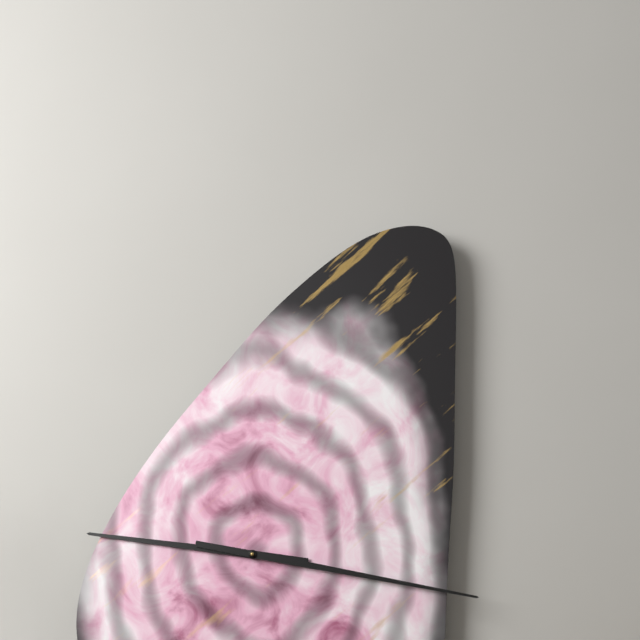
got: 9h17
